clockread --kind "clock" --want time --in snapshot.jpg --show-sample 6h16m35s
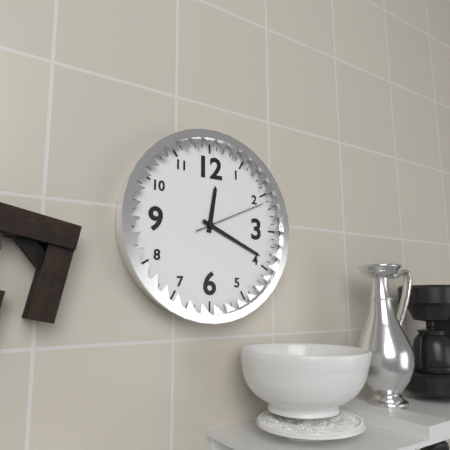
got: 12h19m11s
